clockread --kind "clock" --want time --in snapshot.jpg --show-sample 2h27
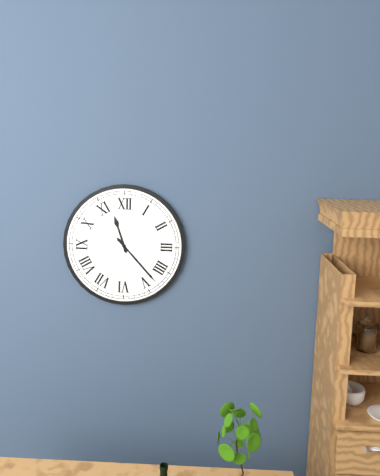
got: 11h23
